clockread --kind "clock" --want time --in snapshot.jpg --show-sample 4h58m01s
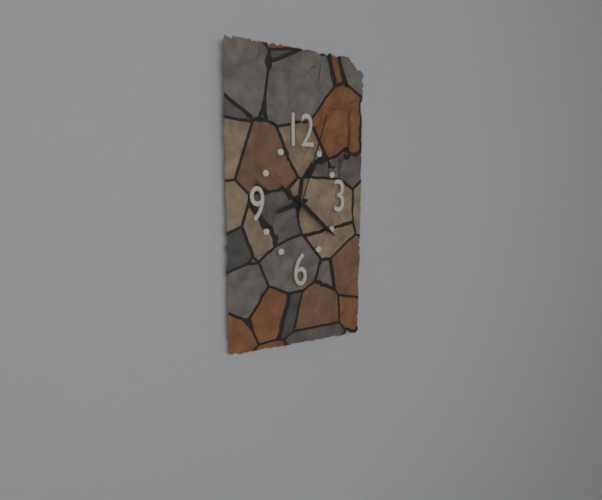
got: 8h22m03s
